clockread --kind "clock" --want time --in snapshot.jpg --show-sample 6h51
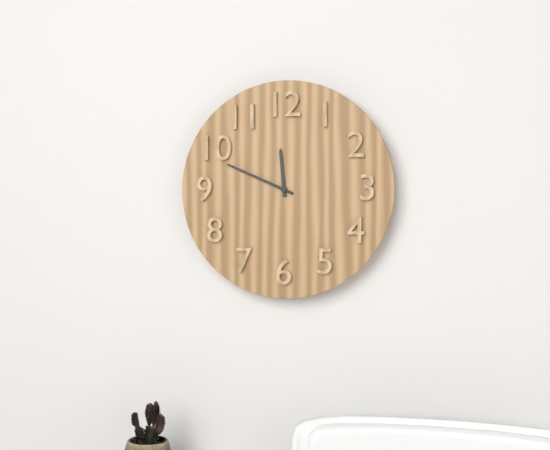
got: 11h49
